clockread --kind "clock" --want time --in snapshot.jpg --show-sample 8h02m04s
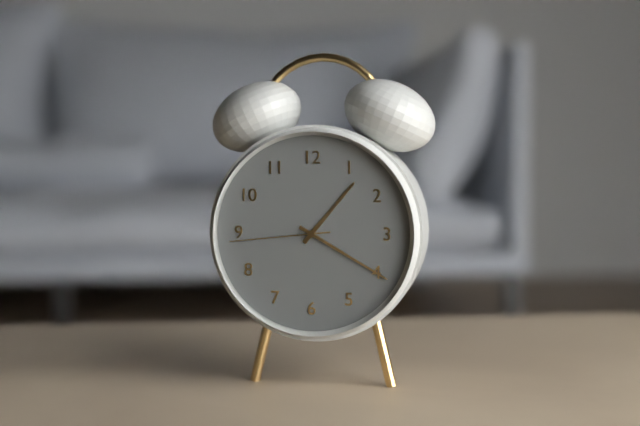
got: 1h20m44s
